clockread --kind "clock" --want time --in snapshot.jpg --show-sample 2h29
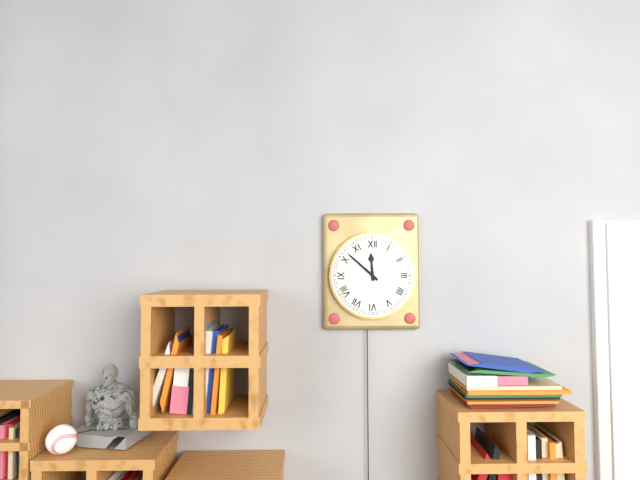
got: 11h52
